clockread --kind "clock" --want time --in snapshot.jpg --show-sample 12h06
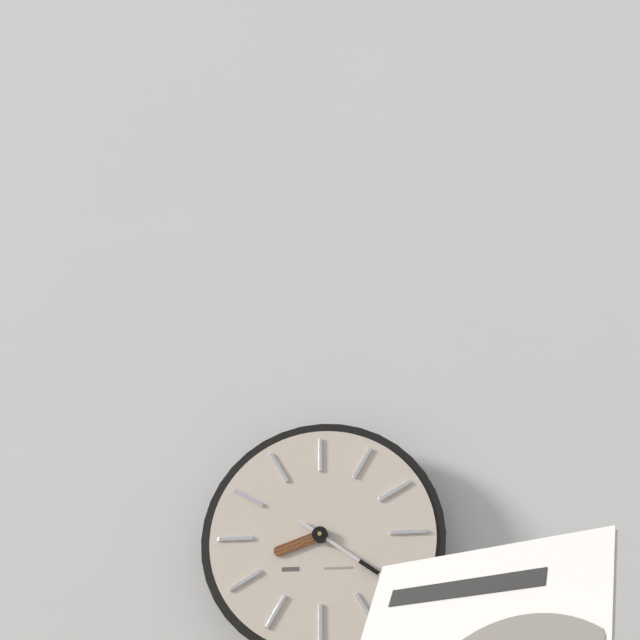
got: 8h21
